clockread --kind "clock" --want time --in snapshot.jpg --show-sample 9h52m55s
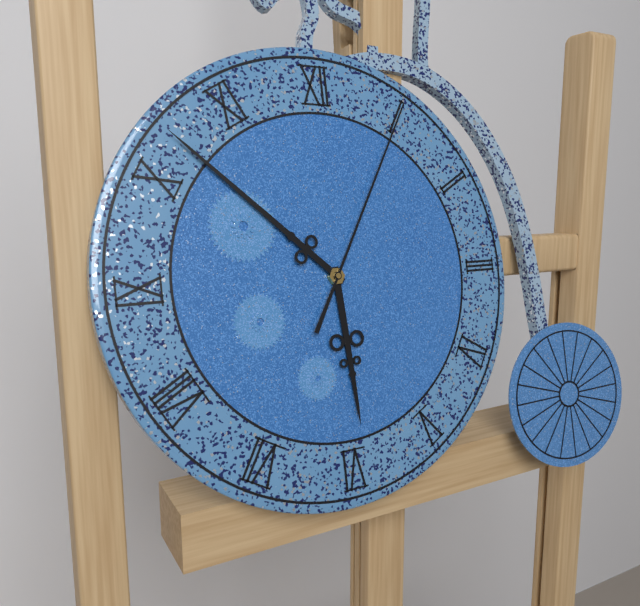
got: 5h52m05s
